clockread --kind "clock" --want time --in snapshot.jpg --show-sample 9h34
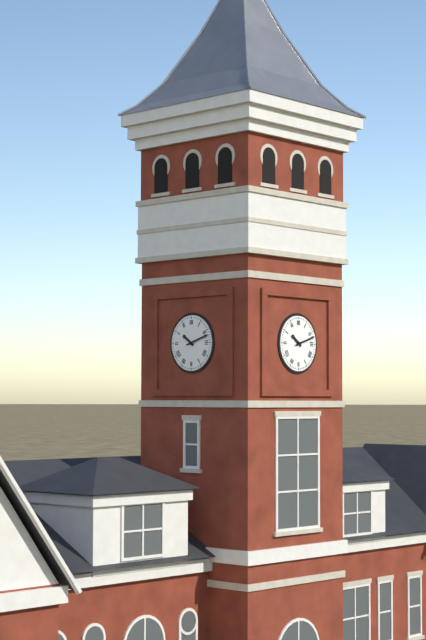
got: 10h12
